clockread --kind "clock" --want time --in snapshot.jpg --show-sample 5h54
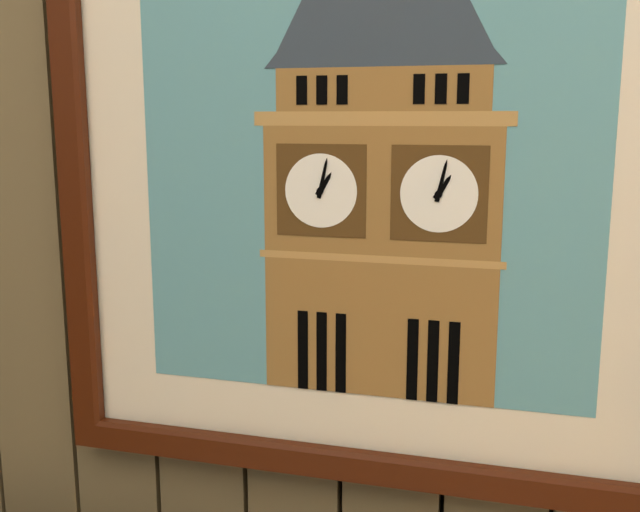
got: 1h02
